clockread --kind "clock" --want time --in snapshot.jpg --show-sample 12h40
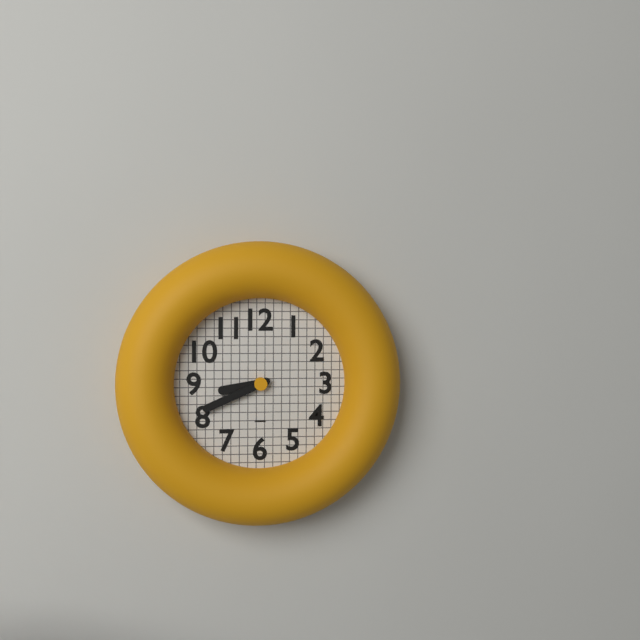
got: 8h41
